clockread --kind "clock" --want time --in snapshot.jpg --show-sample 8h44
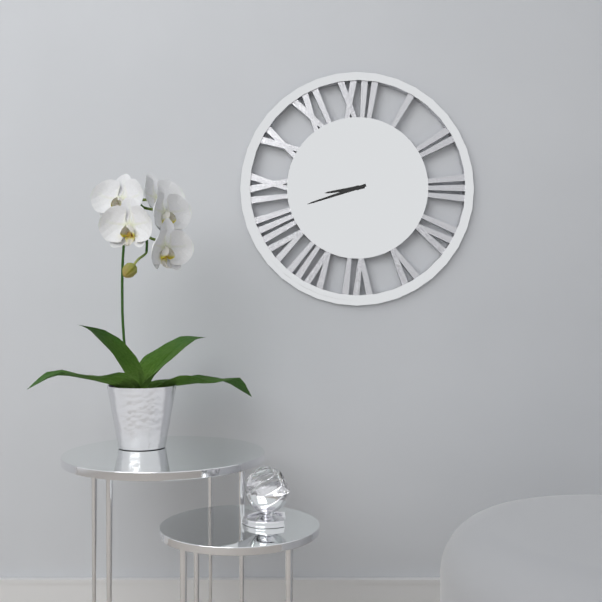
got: 8h42
